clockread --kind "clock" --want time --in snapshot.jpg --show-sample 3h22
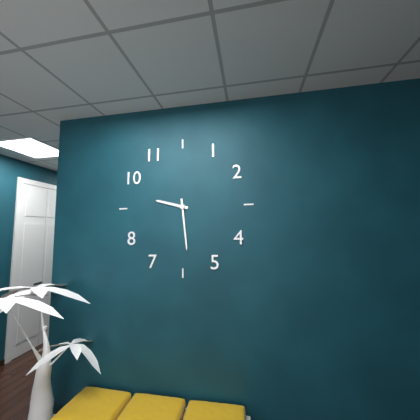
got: 9h29
